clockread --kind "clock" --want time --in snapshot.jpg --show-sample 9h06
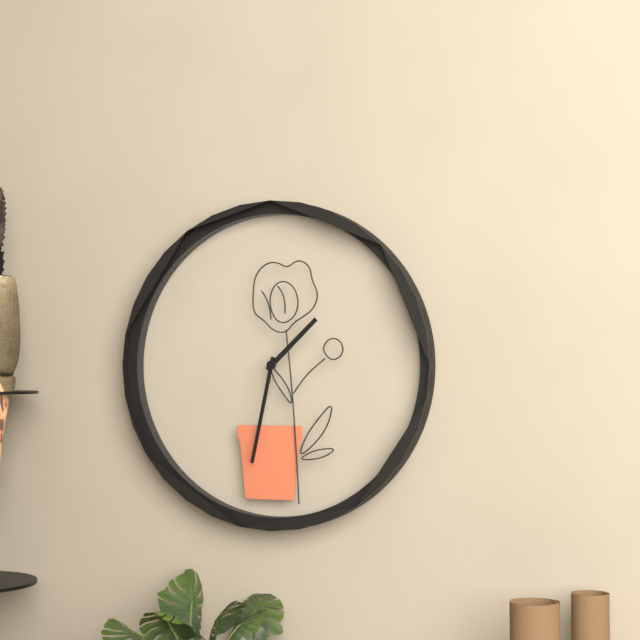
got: 1h32
